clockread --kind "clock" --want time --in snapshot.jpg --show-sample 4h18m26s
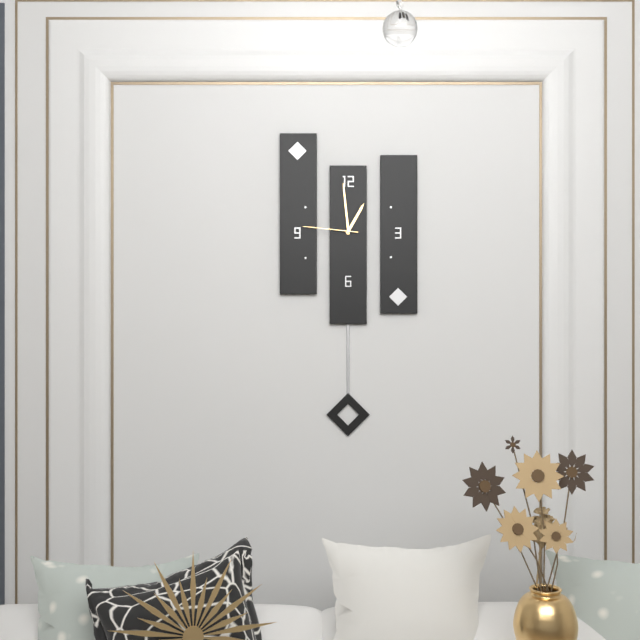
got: 12h59m46s
